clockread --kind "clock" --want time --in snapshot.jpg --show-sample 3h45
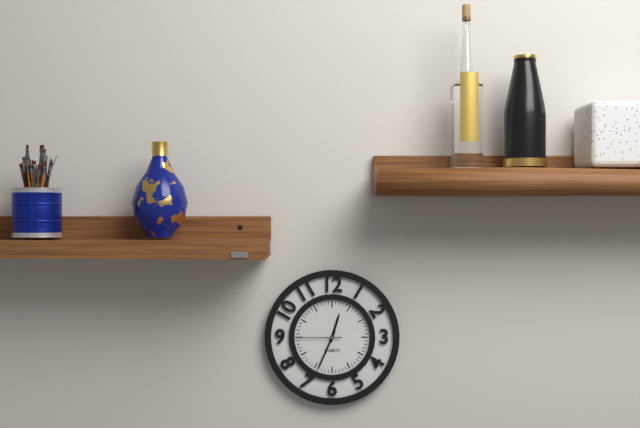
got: 12h34
